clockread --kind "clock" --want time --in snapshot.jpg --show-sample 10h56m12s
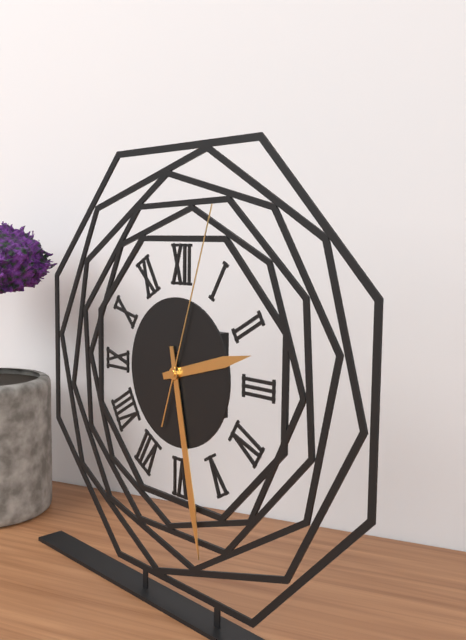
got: 2h28m03s
